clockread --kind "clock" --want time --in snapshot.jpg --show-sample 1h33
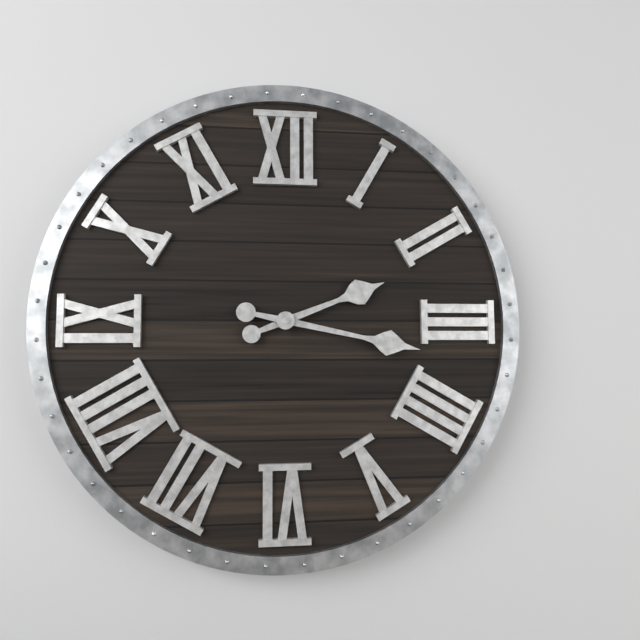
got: 2h17
